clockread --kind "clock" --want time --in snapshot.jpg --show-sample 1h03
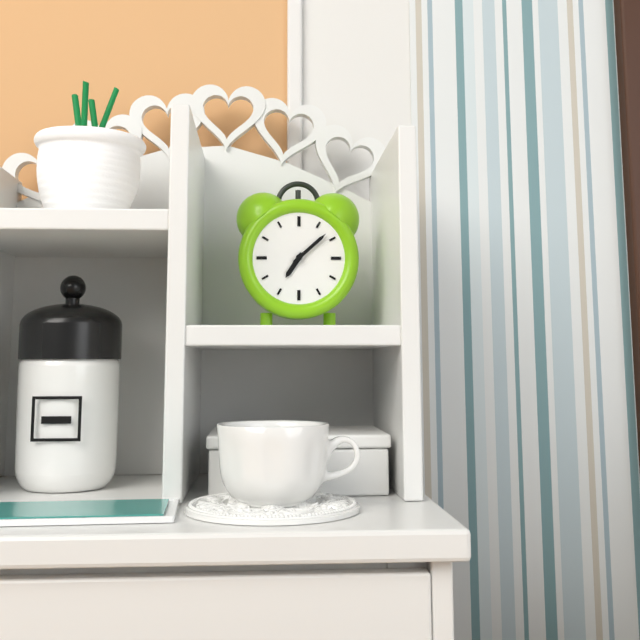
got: 7h08
